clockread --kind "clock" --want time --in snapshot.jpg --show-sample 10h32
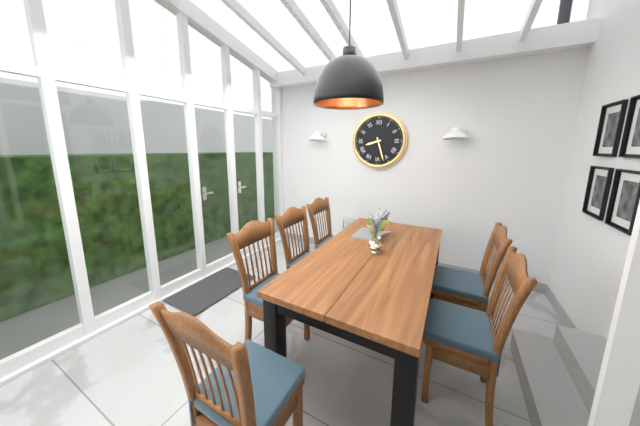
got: 8h27
